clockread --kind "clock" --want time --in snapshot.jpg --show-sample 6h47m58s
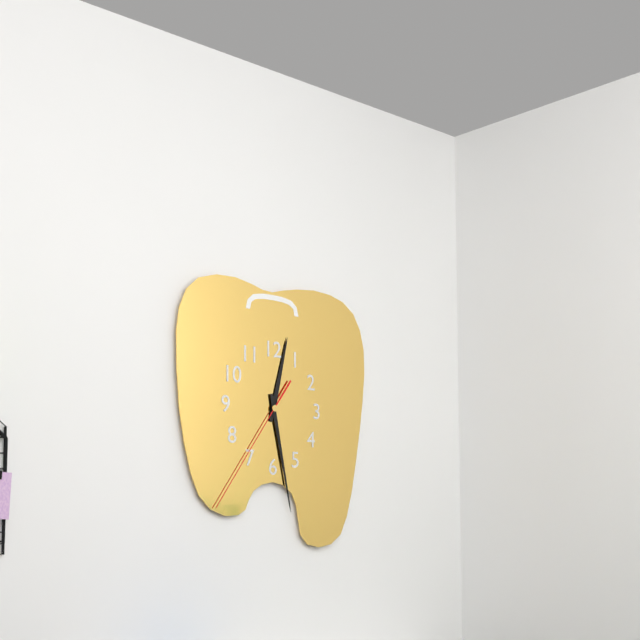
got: 12h28m36s
